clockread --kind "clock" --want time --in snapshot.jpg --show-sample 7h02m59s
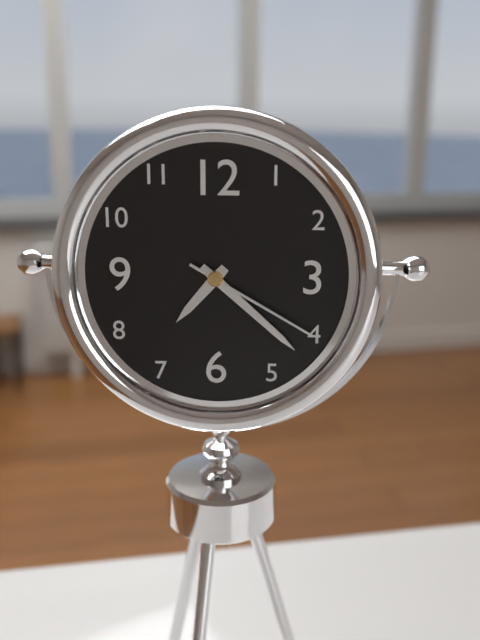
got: 7h22m20s
